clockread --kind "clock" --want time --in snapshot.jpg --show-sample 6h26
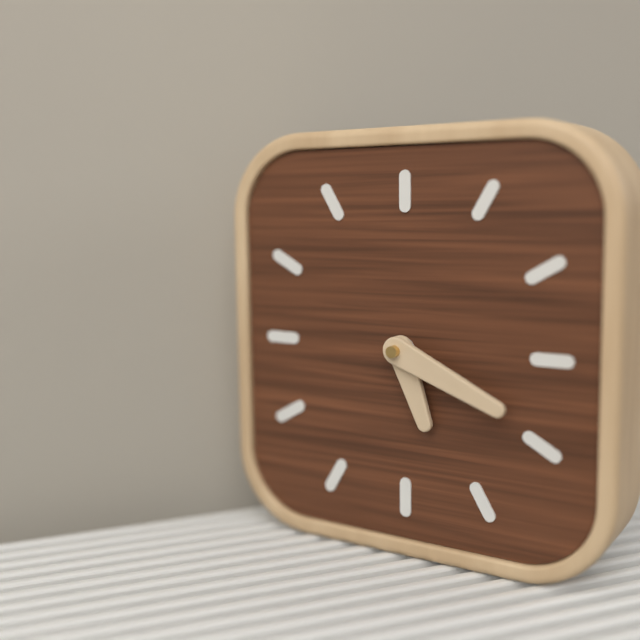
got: 5h19
